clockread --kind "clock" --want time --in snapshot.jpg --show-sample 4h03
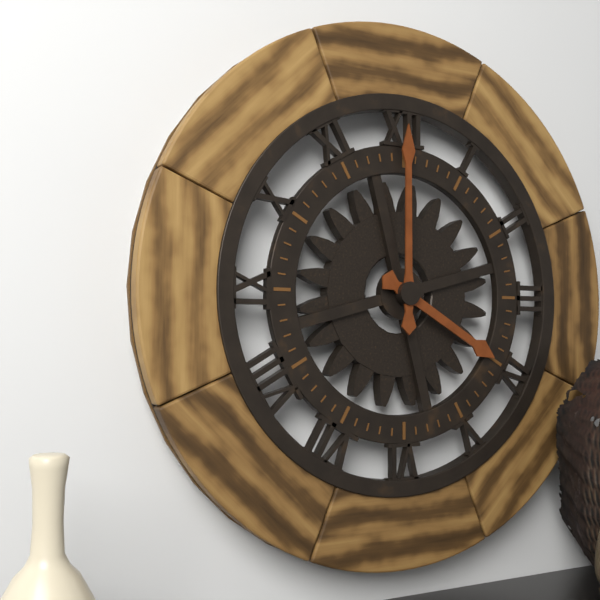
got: 4h00
